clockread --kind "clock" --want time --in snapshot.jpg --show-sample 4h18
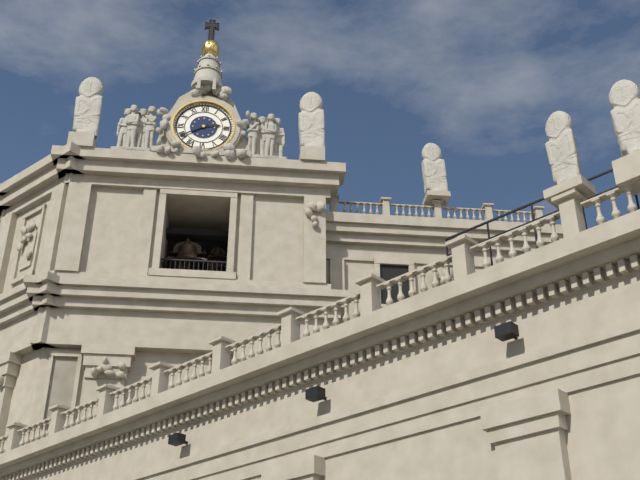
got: 2h40
